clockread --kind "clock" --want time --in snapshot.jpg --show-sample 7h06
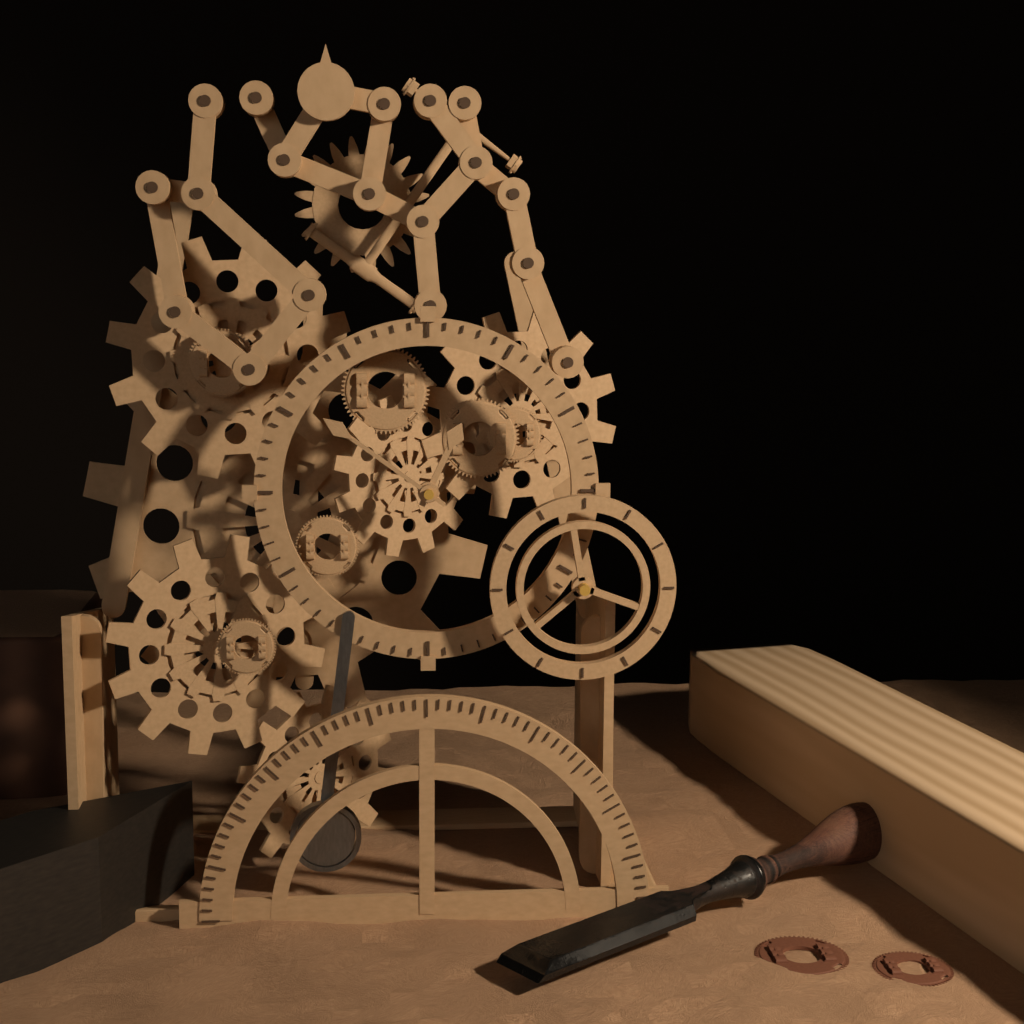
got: 12h51
